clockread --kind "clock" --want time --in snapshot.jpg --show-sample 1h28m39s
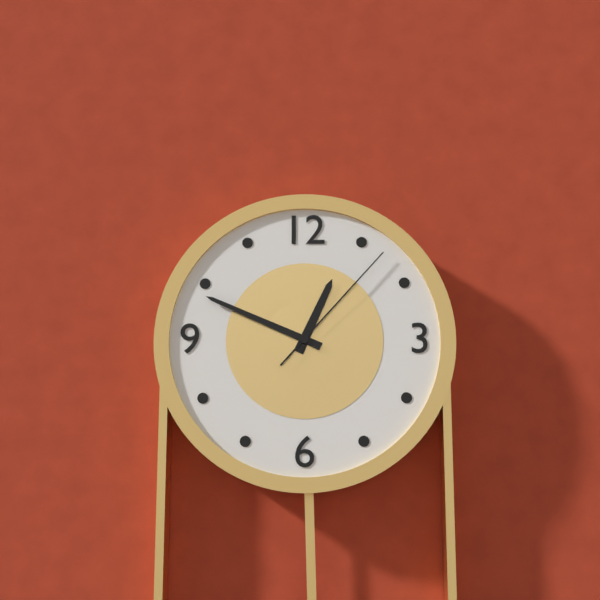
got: 12h49m07s
